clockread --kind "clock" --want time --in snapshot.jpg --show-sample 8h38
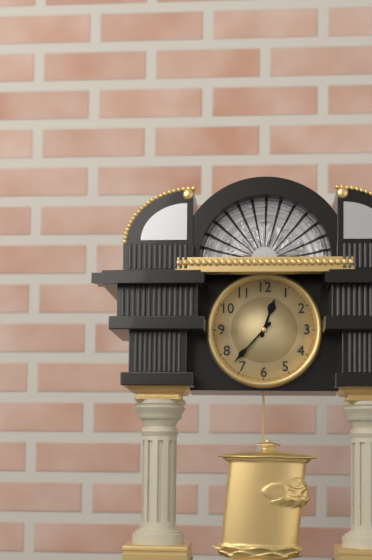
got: 12h37
